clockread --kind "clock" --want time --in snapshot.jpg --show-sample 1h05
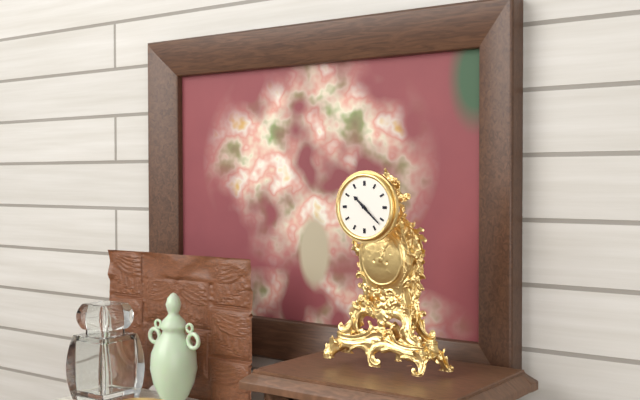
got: 10h22
